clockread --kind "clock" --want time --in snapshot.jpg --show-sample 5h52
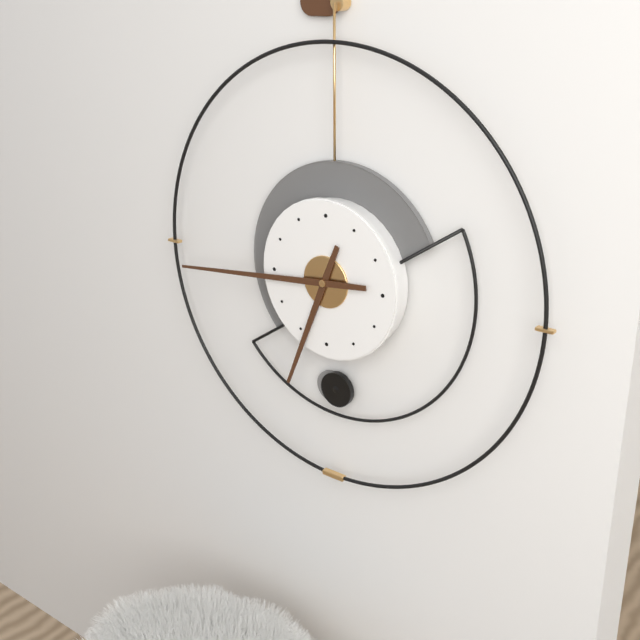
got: 6h44
